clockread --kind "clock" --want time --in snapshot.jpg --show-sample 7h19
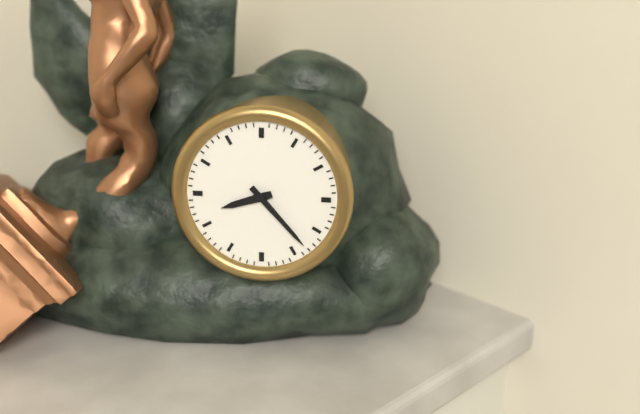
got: 8h23
